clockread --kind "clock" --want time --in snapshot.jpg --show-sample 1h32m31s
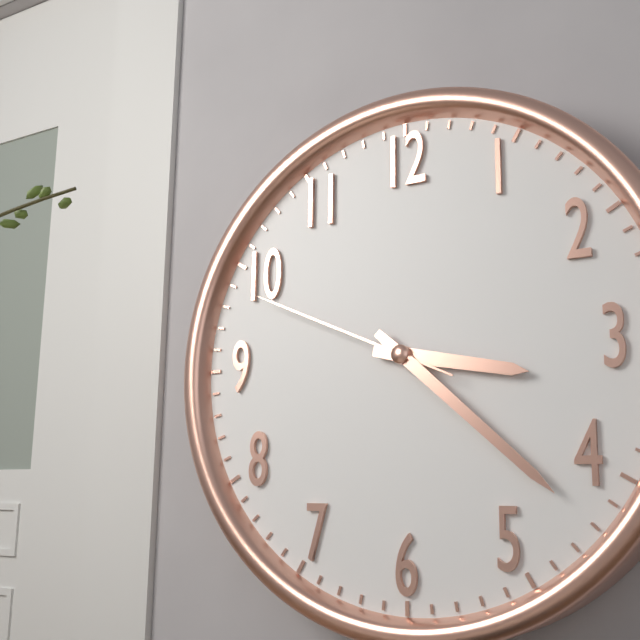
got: 3h22m49s
